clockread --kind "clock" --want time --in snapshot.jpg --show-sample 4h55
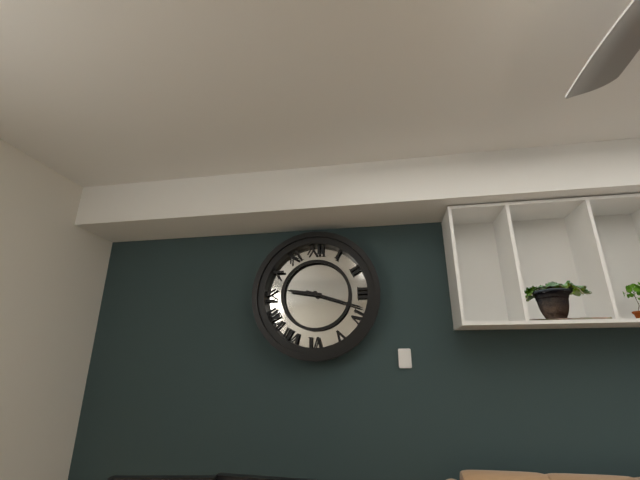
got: 9h18
